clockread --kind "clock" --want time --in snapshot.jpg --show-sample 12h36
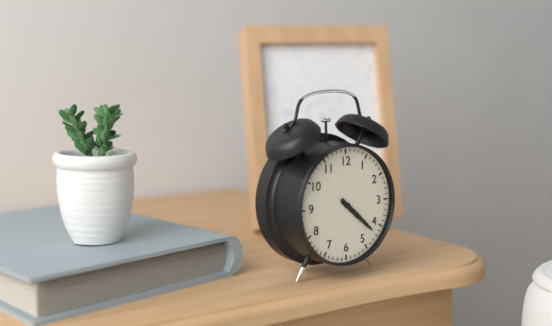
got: 4h22
